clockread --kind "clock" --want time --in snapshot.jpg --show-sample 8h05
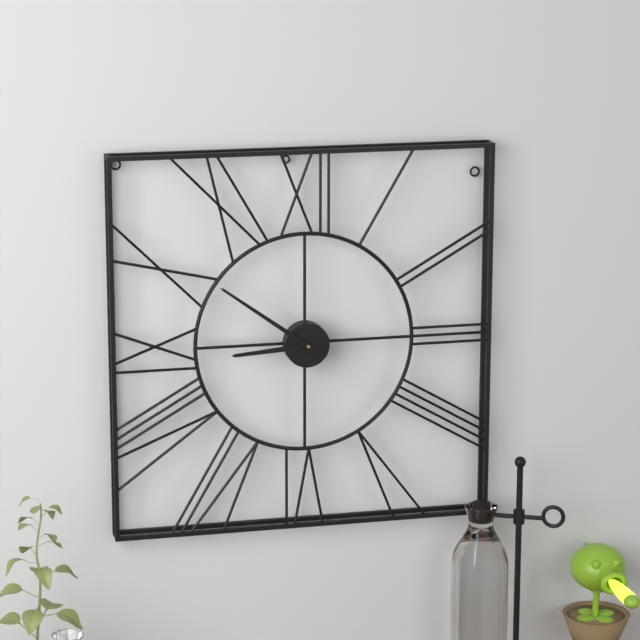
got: 8h51
